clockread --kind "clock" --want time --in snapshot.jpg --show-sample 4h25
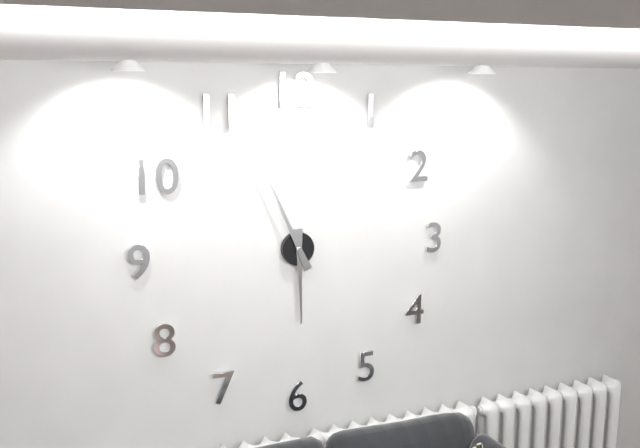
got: 5h56
